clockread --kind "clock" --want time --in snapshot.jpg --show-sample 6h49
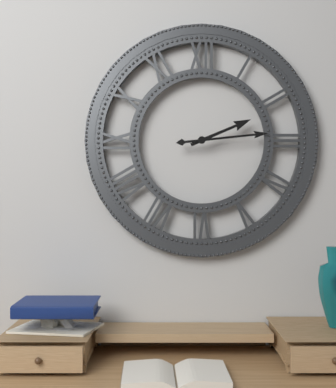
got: 2h14
